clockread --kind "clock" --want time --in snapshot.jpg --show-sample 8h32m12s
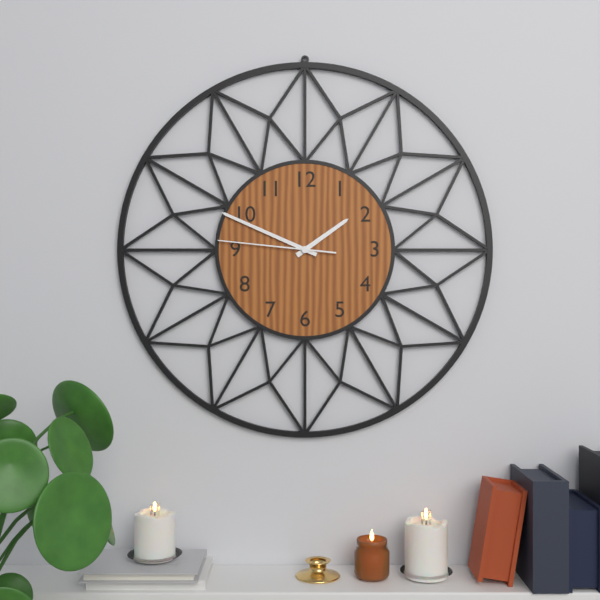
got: 1h49m46s
